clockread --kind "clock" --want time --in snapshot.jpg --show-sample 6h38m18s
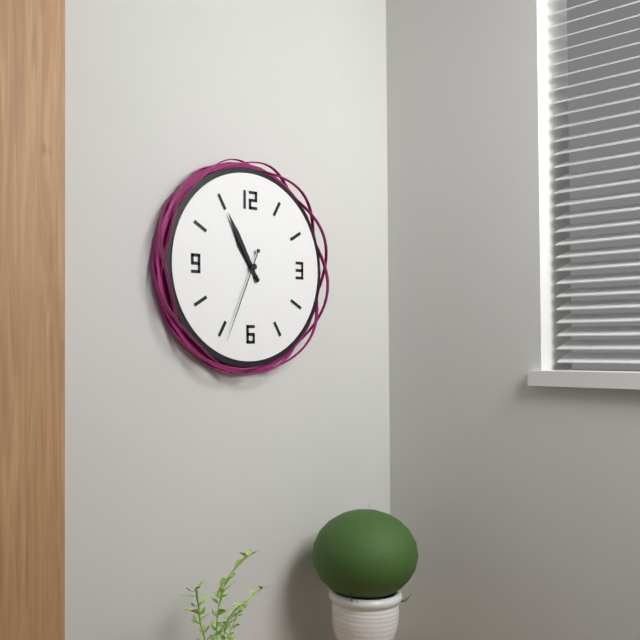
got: 10h55m34s
